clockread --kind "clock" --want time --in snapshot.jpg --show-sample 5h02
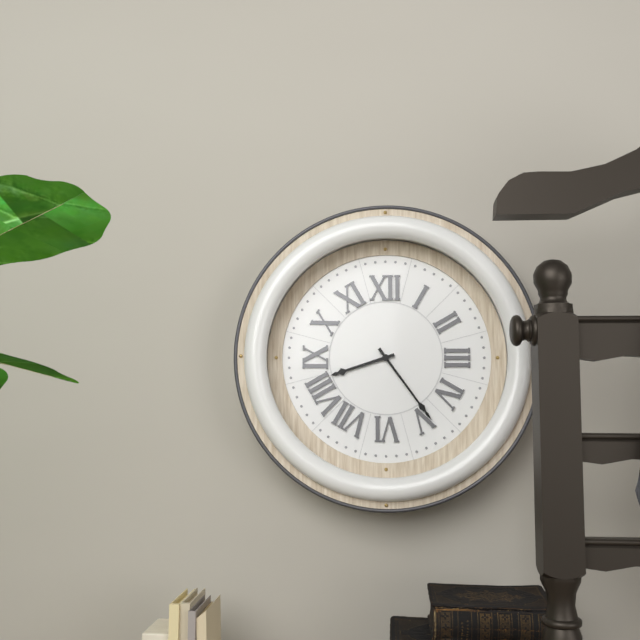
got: 8h24
